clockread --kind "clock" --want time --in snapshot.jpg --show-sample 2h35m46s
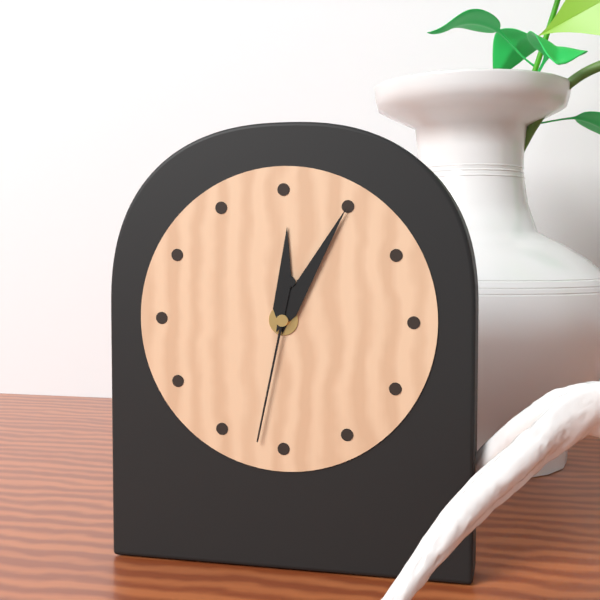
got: 12h05m32s
